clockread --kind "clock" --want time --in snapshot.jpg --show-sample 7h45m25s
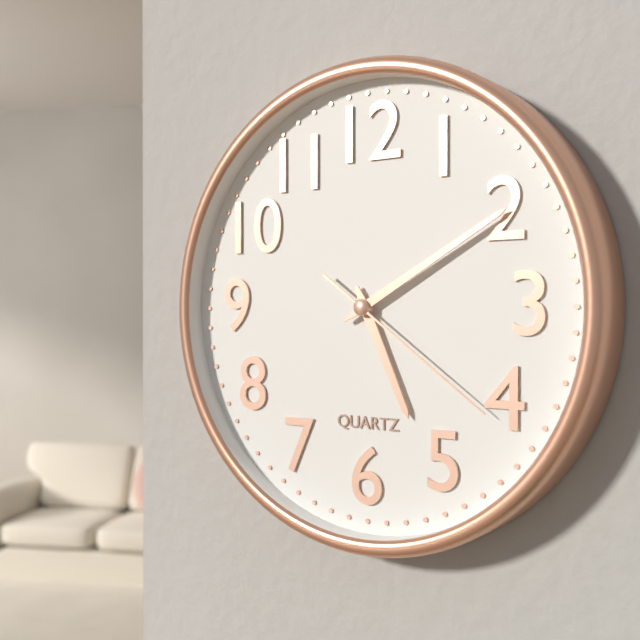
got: 5h10m21s
